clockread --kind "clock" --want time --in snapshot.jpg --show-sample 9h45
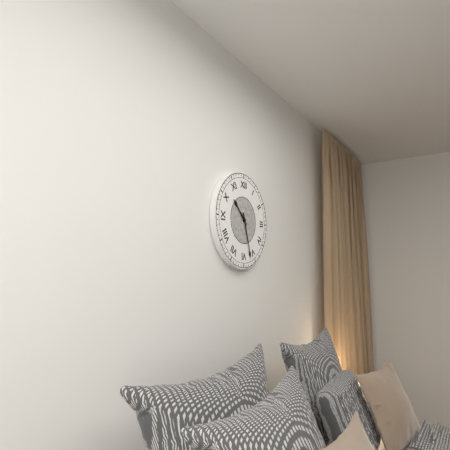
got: 10h27
